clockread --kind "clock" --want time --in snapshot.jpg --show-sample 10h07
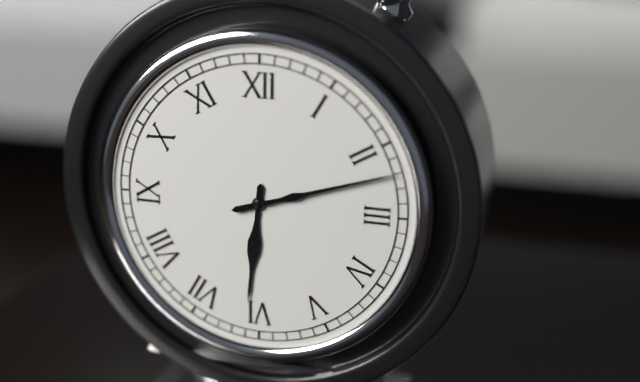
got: 6h12
